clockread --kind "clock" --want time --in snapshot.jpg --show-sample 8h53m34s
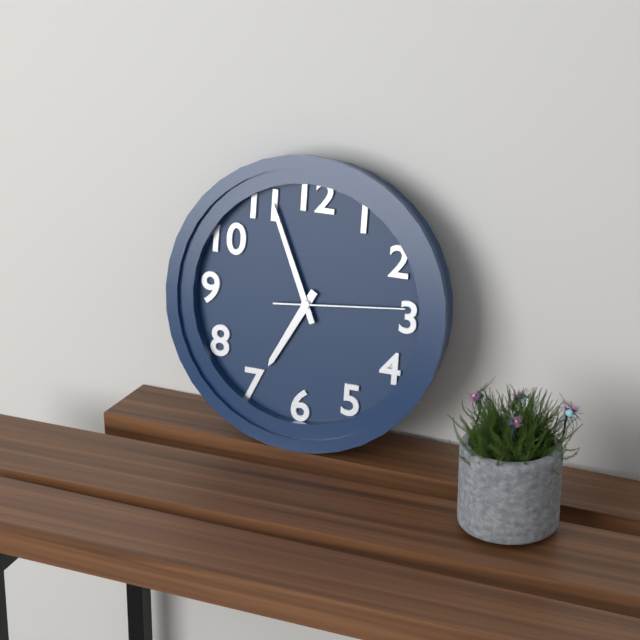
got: 6h56m14s
